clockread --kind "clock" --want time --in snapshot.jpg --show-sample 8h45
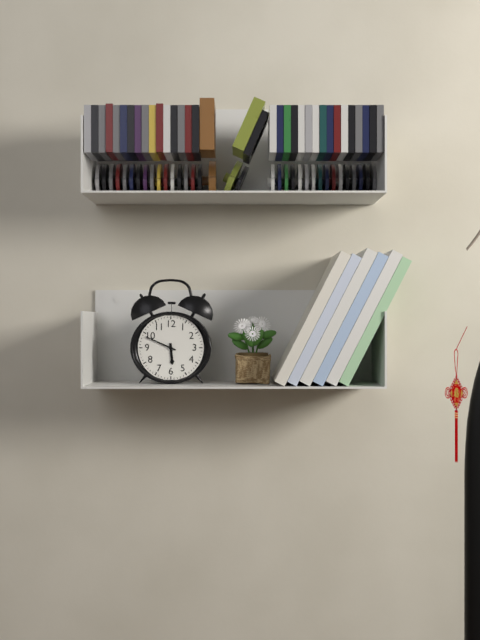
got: 5h49
